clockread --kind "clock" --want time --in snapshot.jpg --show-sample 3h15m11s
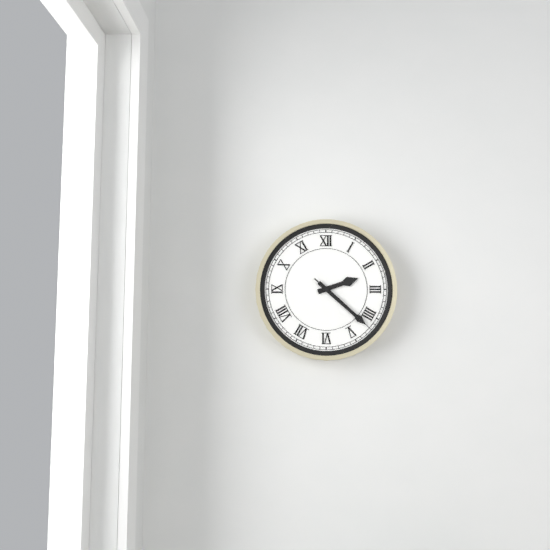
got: 2h22m22s
